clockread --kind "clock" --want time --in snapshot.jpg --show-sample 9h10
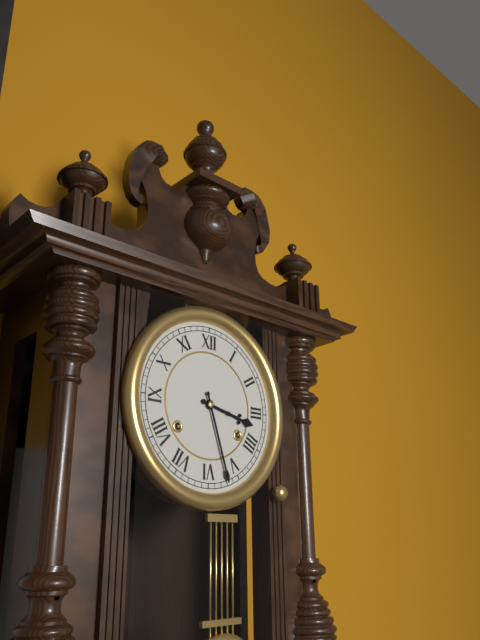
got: 3h27
